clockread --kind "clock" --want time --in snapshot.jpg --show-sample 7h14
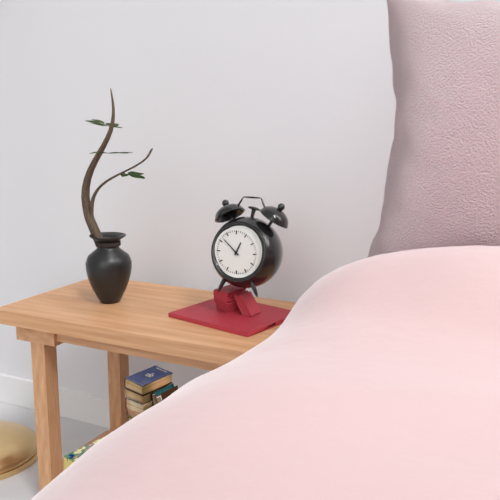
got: 12h52
